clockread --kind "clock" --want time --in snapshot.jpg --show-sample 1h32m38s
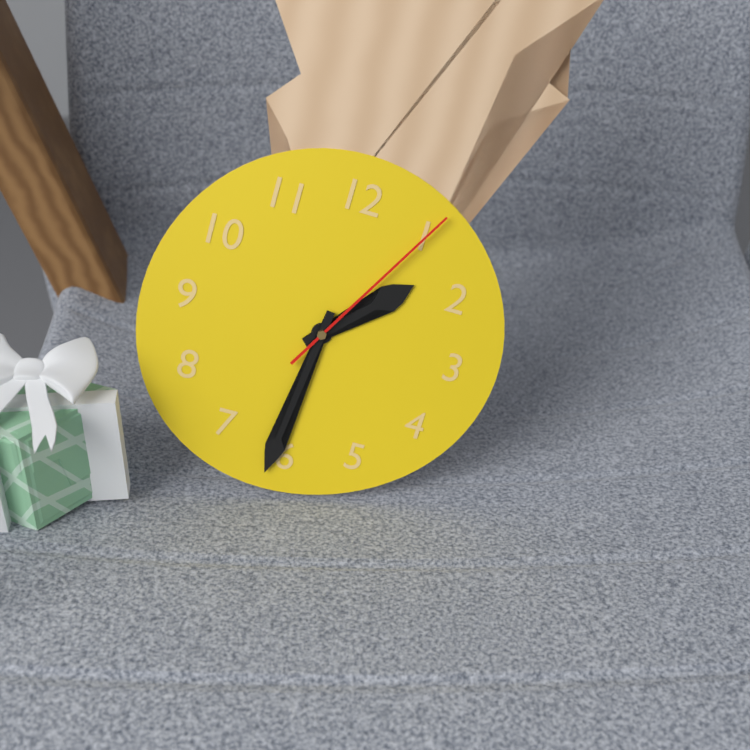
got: 1h31m05s
